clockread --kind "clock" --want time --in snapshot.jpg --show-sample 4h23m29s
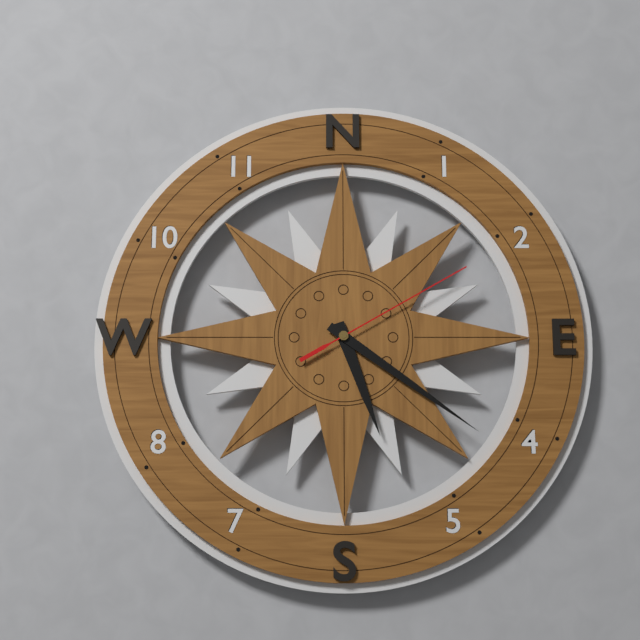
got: 5h21m10s
